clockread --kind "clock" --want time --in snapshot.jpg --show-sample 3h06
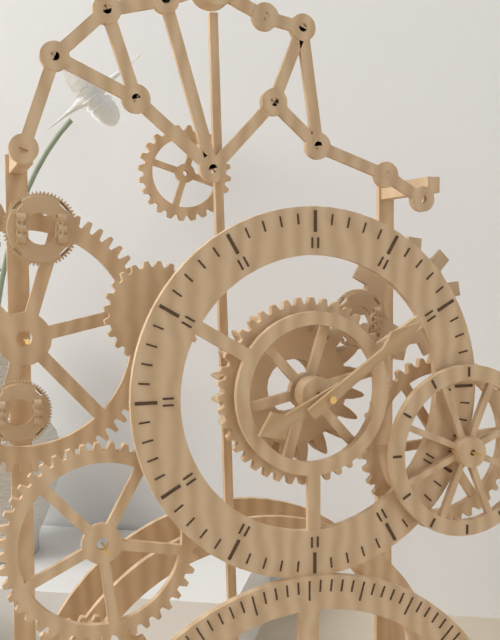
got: 8h09
